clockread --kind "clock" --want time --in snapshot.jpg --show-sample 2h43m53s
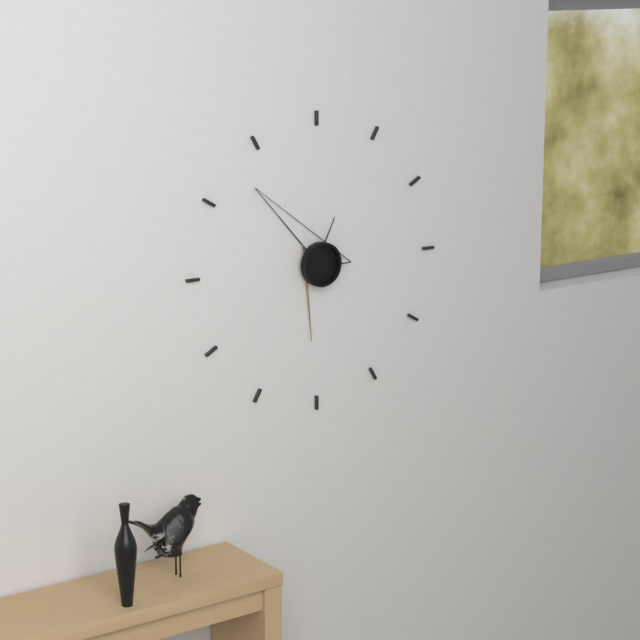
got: 12h53m31s
